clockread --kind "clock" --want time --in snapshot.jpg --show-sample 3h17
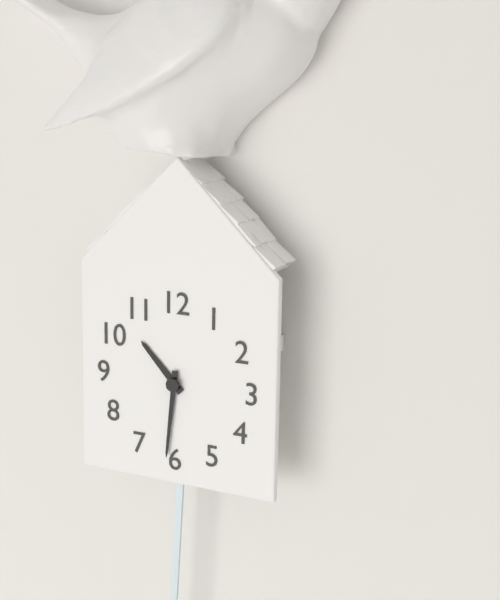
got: 10h31
